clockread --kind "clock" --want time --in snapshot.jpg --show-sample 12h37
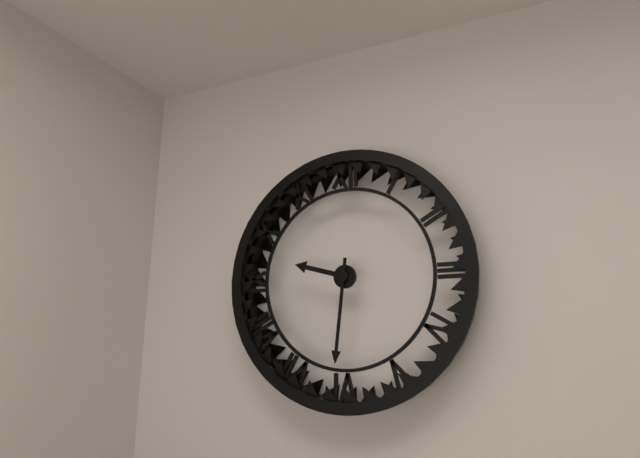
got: 9h31
